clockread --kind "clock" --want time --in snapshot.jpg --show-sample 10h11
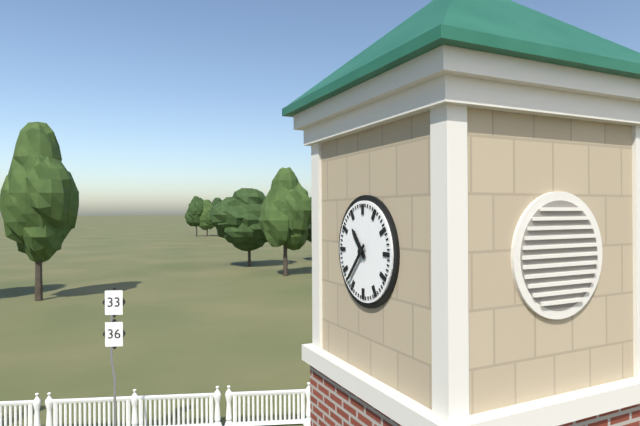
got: 10h37
